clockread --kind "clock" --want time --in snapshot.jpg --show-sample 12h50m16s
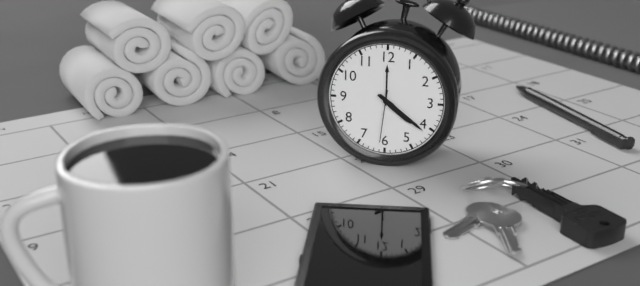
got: 4h21m31s
